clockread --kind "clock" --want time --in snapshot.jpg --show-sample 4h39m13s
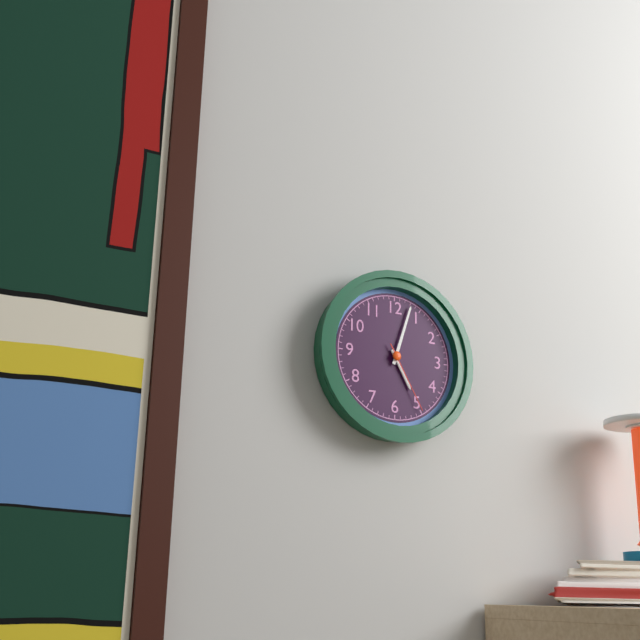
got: 5h03m25s
